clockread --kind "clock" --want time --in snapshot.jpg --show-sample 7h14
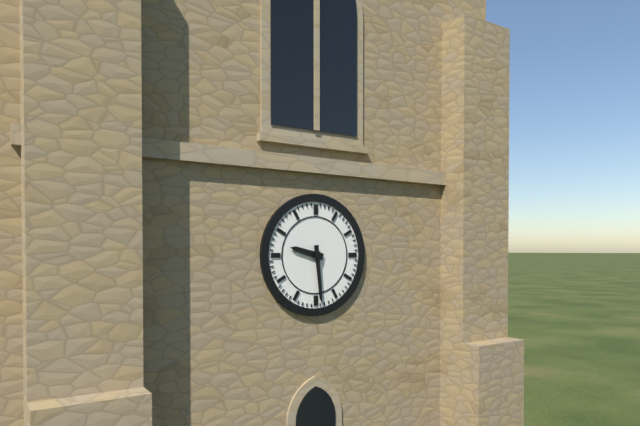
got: 9h29
